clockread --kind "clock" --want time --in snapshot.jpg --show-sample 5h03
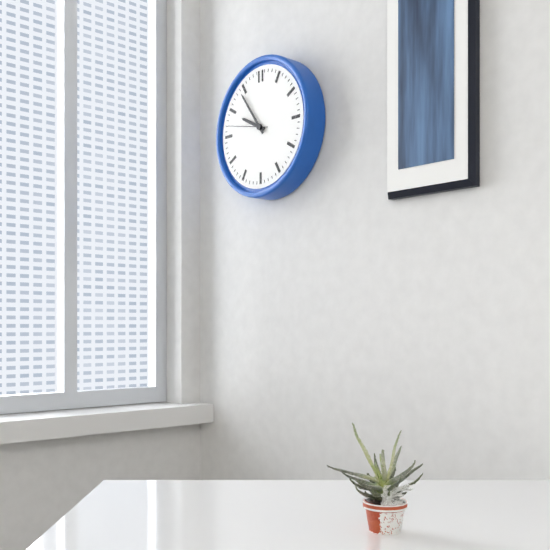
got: 9h54
